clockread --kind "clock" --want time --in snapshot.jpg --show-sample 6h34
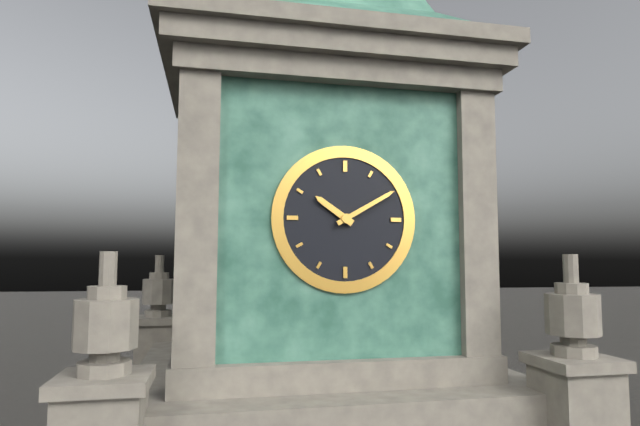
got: 10h10
